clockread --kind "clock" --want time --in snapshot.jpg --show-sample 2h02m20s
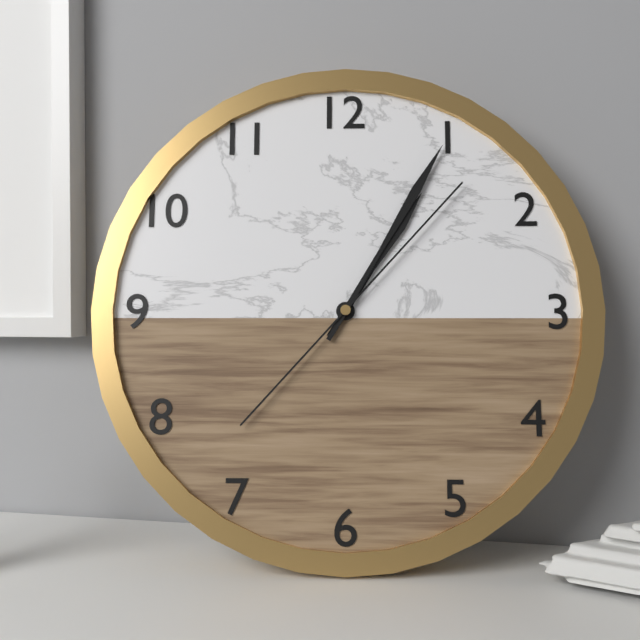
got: 1h05m07s
